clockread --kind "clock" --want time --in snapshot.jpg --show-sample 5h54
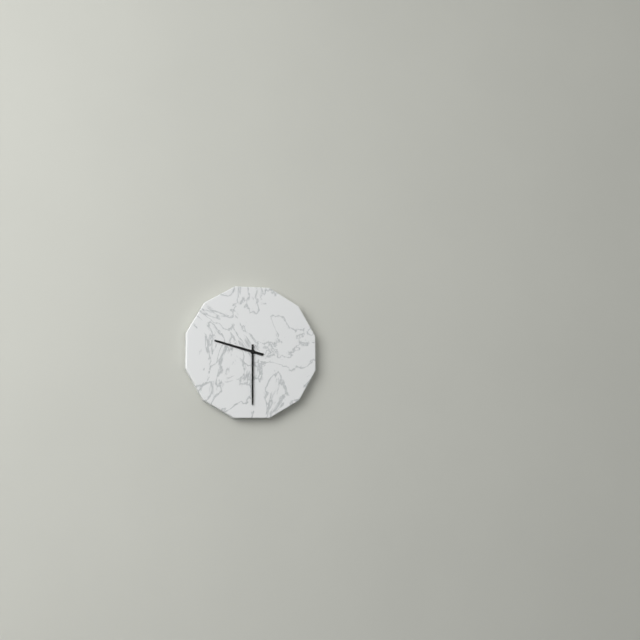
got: 9h30
